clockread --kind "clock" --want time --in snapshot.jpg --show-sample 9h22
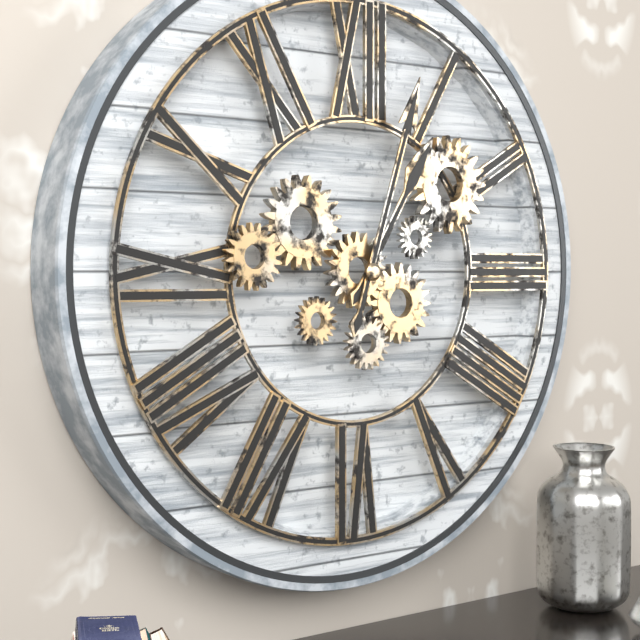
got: 1h03
